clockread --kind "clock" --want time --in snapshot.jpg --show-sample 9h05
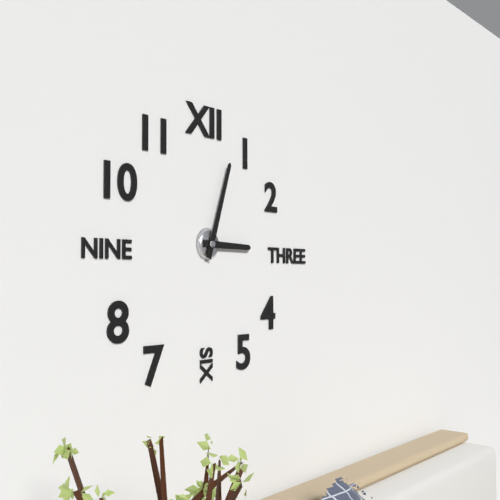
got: 3h03
